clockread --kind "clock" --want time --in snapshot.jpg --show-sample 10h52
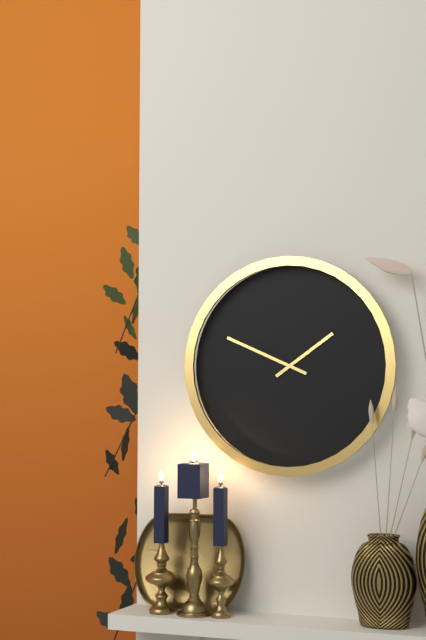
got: 1h49
